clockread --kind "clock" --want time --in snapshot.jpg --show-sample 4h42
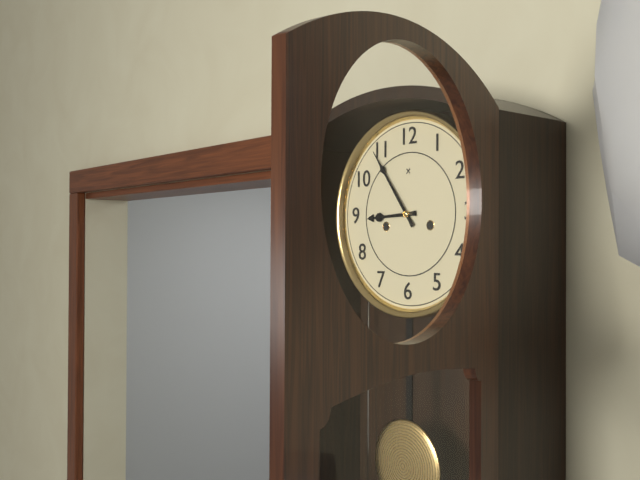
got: 8h54
